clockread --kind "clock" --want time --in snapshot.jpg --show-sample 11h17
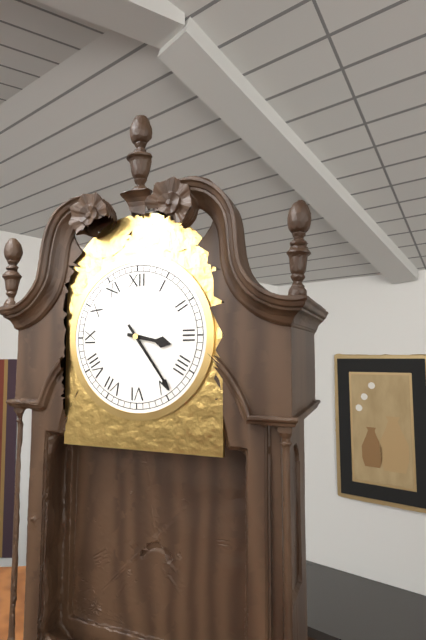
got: 3h24
